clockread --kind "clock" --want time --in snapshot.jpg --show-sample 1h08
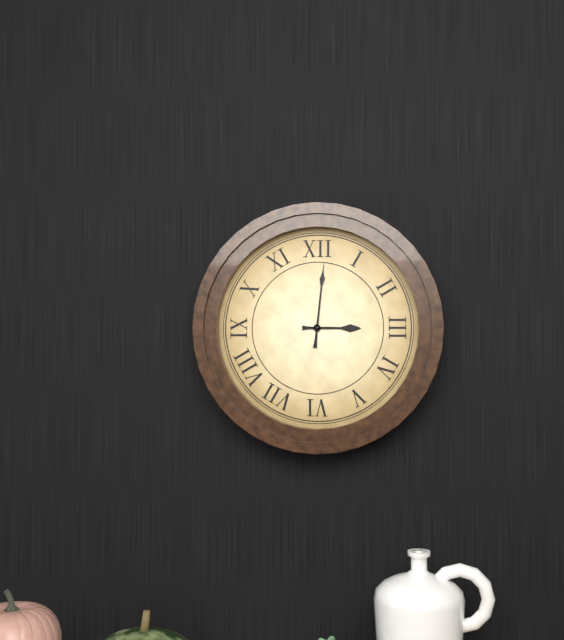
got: 3h01
